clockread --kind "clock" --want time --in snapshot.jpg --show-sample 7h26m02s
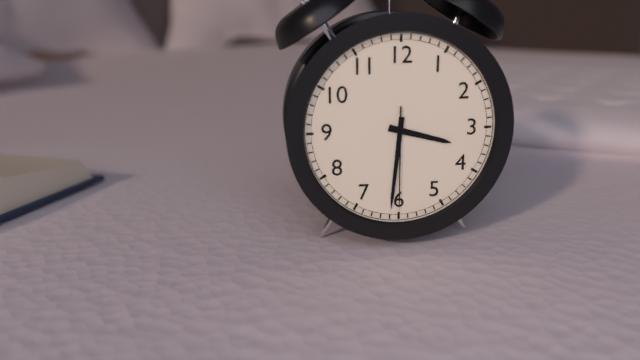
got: 3h31m30s
